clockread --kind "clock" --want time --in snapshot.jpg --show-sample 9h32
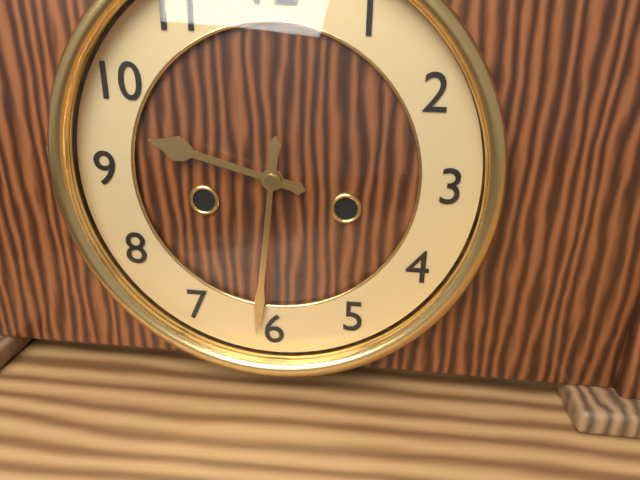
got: 9h31
